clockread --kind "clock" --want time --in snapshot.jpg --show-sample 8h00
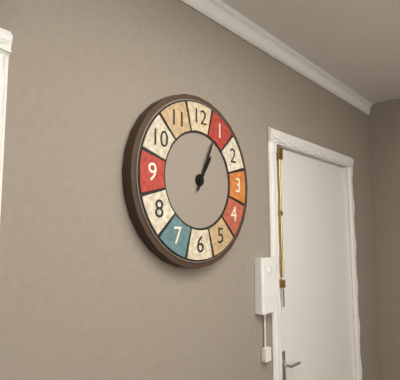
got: 1h04
